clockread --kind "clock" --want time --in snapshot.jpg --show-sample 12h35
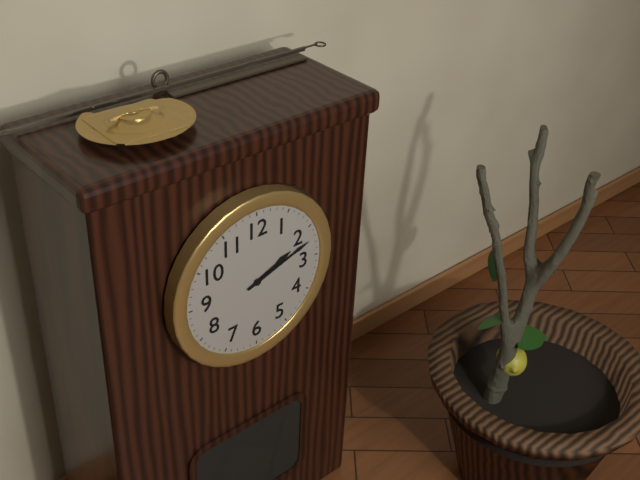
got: 2h12
